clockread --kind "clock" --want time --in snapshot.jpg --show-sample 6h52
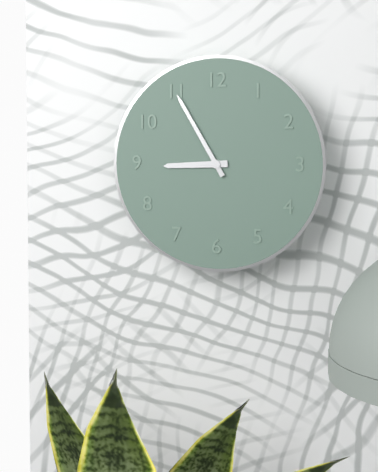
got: 8h55
